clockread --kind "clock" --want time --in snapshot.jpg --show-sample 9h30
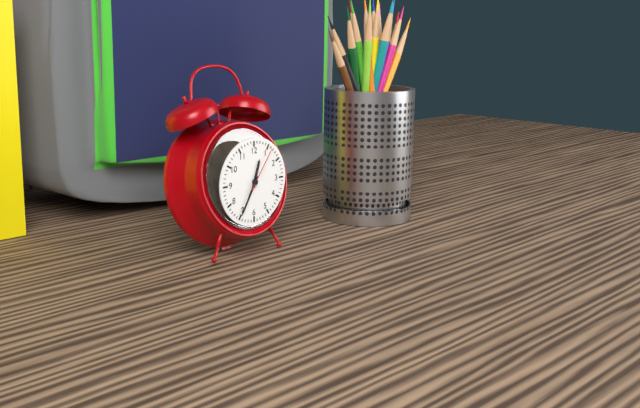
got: 12h35
